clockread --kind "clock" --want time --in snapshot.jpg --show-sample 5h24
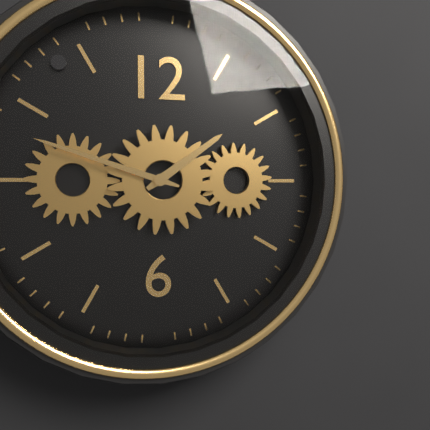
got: 1h48
